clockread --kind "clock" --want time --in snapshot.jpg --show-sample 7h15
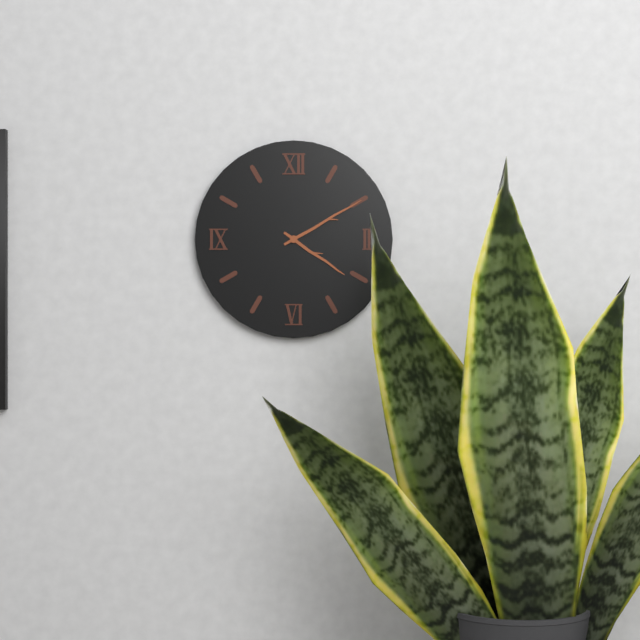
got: 4h10
